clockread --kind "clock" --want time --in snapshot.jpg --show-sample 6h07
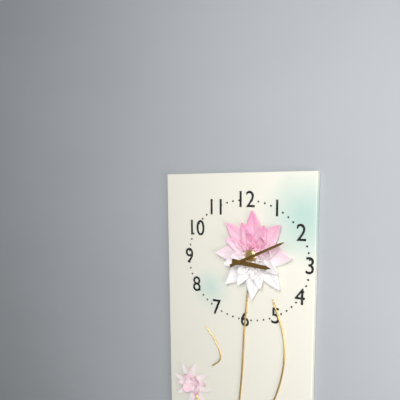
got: 3h11
